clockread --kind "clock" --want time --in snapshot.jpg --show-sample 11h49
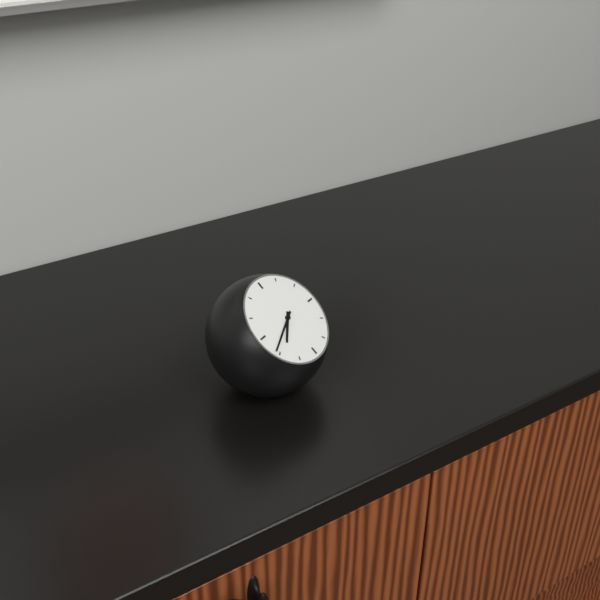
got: 7h41
